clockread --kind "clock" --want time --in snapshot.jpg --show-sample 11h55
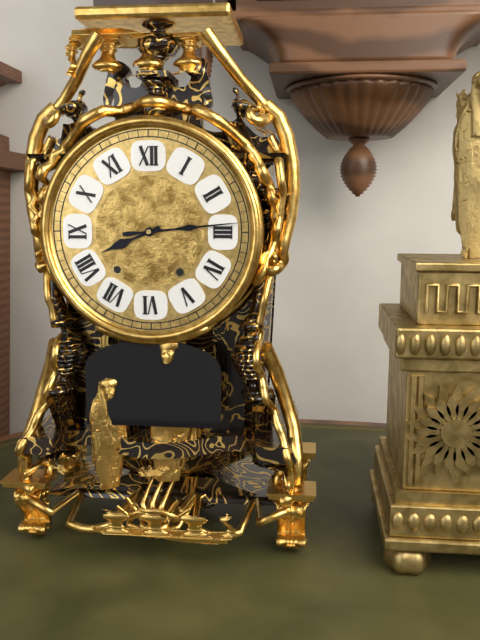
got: 8h14
